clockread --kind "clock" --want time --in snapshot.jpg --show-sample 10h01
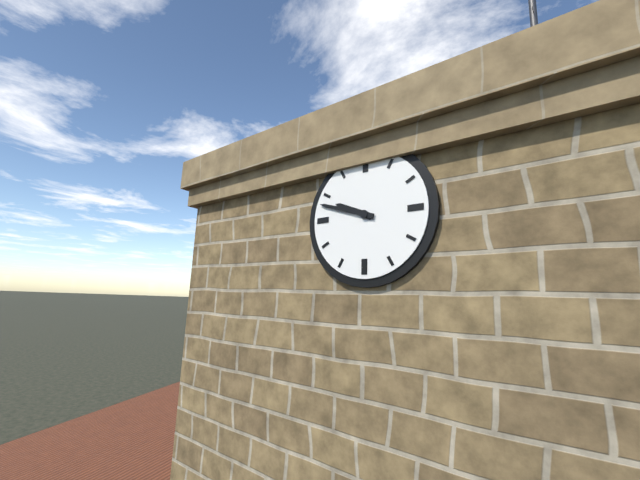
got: 9h48
